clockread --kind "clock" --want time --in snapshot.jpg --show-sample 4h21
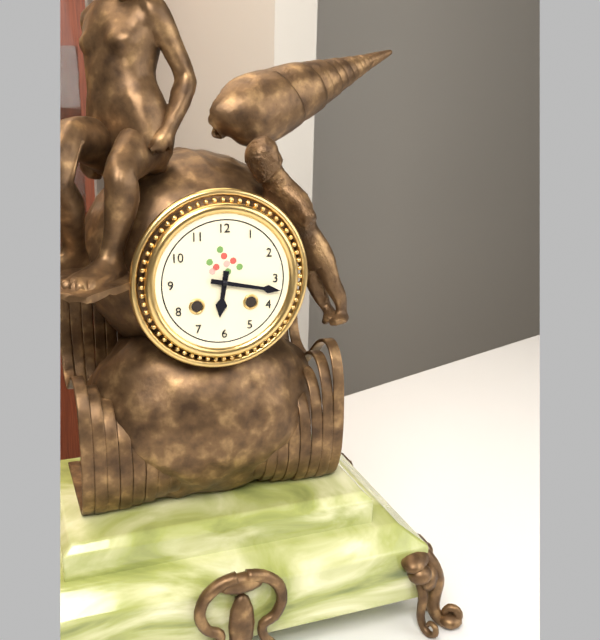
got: 6h17
